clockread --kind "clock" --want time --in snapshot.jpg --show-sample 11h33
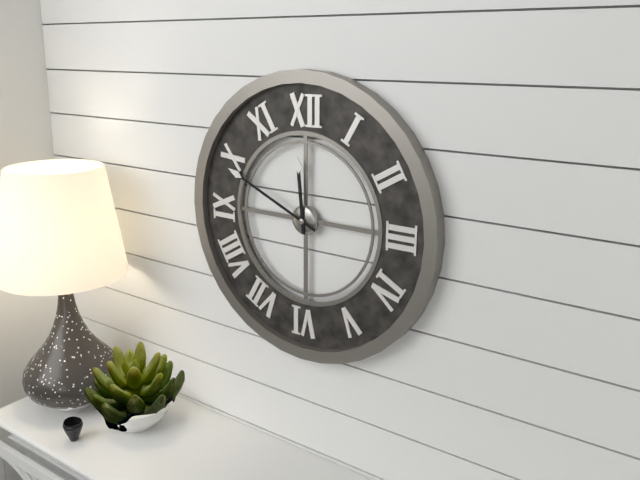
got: 11h49
